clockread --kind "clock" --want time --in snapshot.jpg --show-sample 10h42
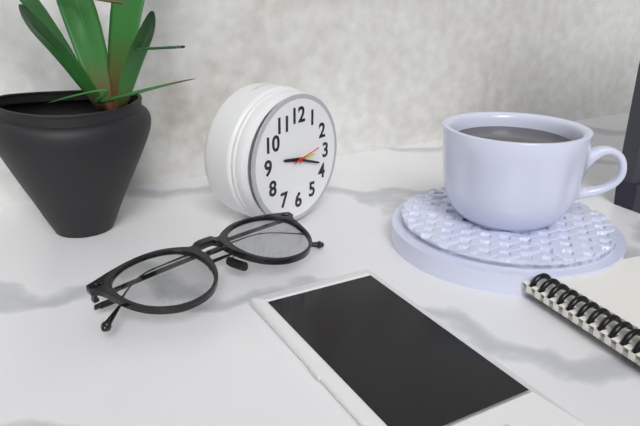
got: 9h18
